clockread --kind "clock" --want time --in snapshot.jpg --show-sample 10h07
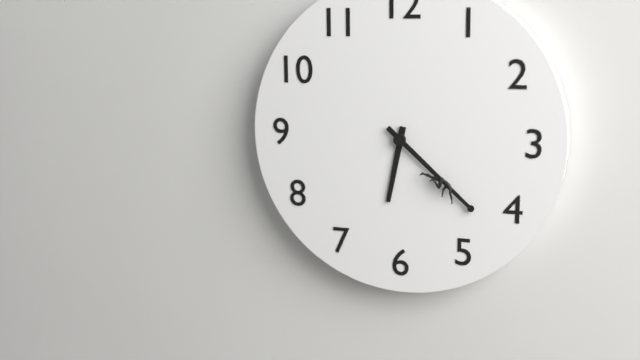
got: 6h22
